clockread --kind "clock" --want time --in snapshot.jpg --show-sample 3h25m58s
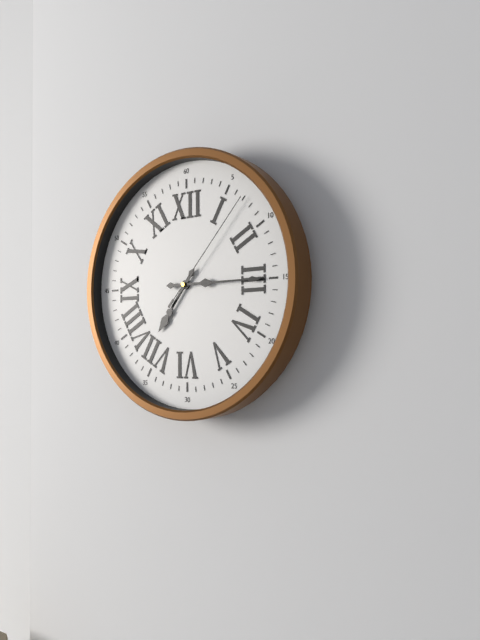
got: 7h15m07s
